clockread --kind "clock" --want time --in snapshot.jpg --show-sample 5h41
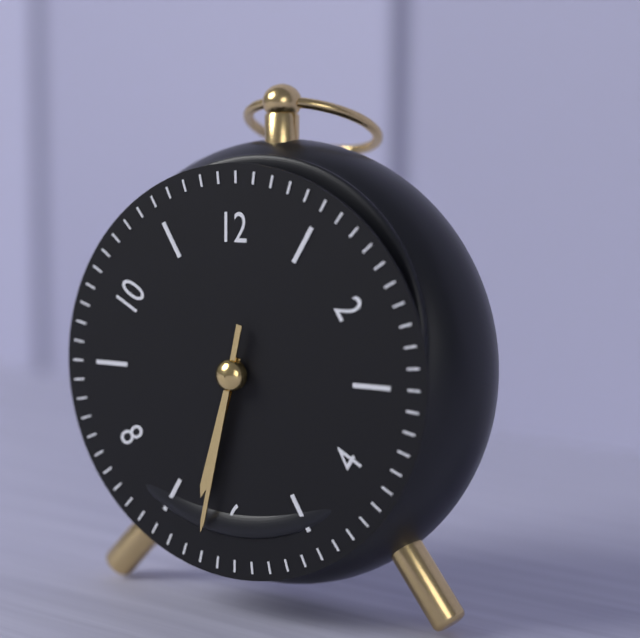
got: 6h32
